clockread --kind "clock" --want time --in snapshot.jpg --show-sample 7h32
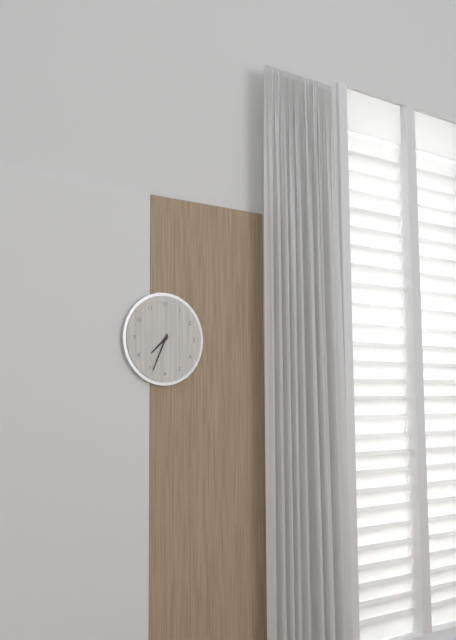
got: 7h34
